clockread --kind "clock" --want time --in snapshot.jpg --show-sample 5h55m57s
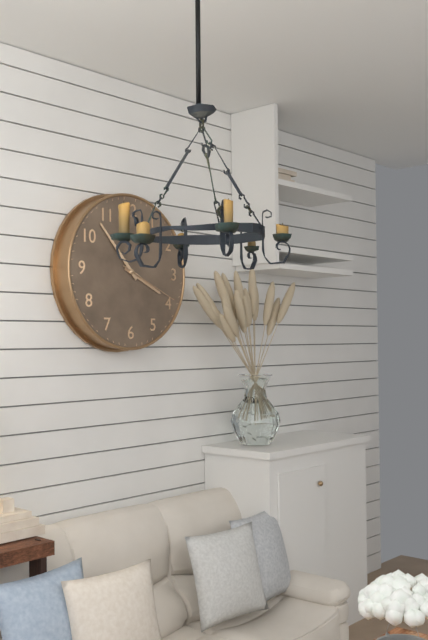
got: 3h53m19s
